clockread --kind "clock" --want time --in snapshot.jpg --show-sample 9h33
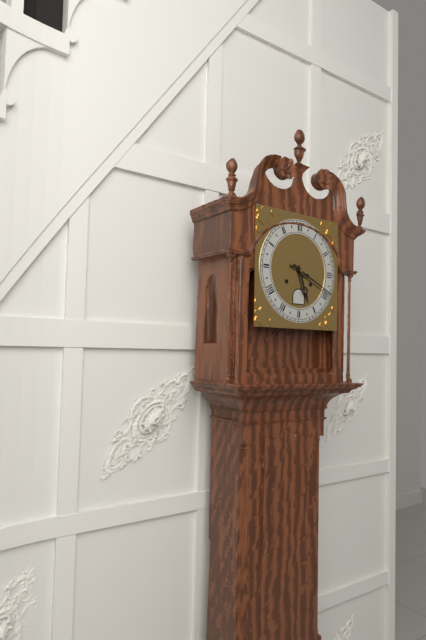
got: 5h19
